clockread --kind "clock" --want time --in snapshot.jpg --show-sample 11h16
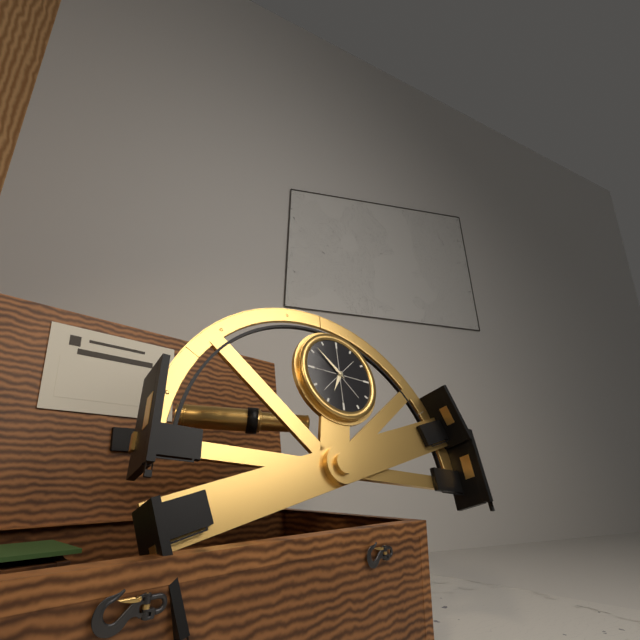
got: 6h52
